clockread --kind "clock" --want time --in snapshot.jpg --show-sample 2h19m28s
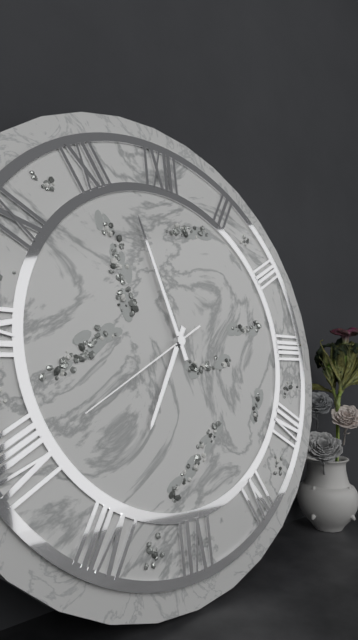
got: 6h57m40s
